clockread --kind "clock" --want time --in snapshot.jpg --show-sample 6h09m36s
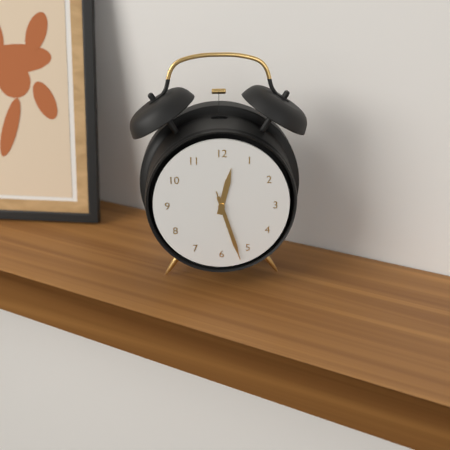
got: 12h27m27s
